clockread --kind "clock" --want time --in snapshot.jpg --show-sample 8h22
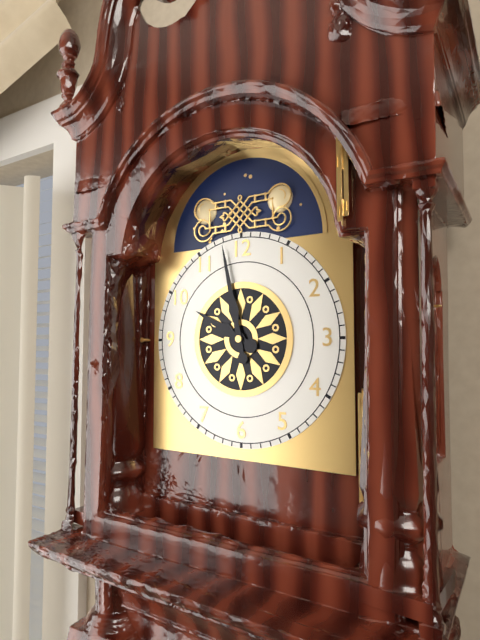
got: 9h58
